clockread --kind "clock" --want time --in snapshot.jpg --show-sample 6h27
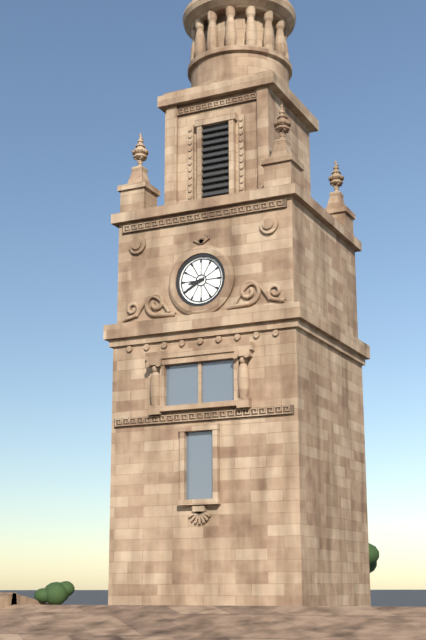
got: 8h40
